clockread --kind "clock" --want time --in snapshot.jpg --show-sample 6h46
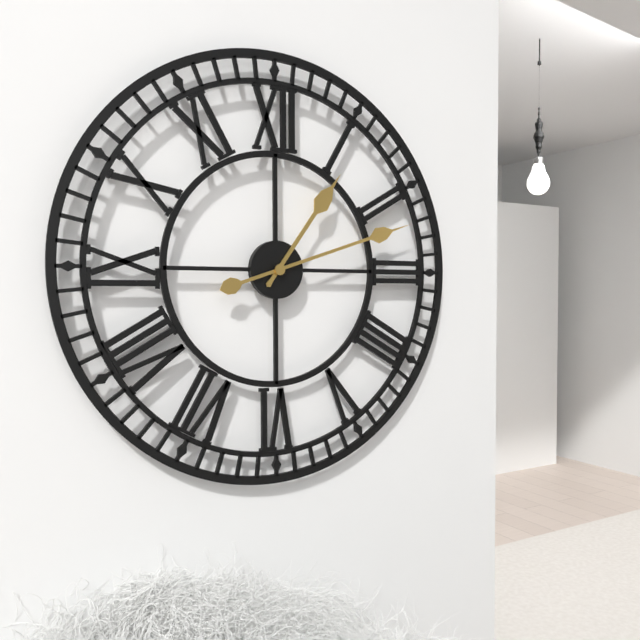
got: 1h12
